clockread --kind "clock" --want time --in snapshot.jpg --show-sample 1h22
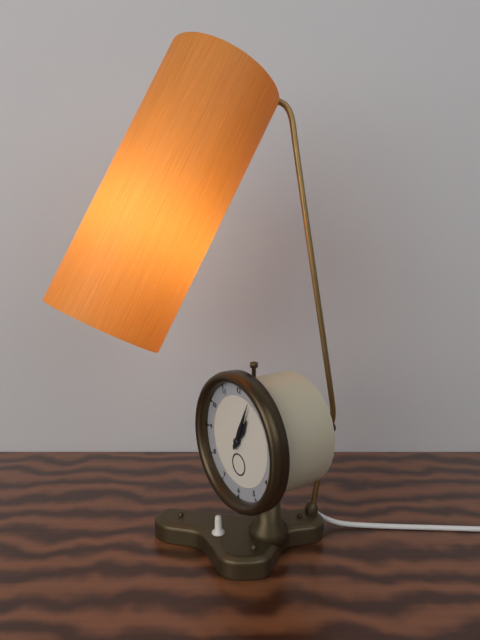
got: 1h04
